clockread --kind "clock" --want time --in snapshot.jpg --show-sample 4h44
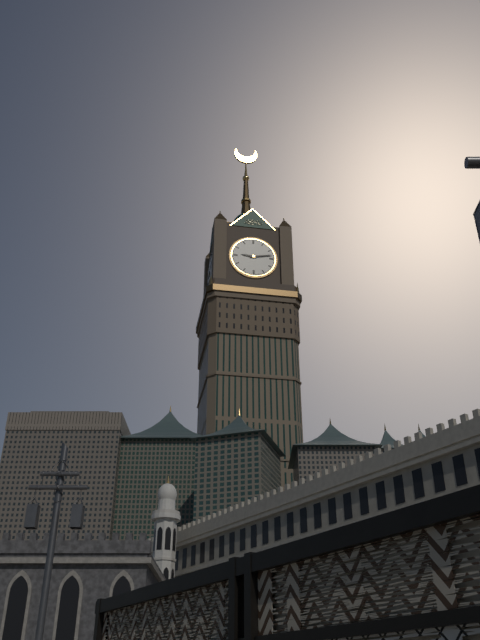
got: 9h13
